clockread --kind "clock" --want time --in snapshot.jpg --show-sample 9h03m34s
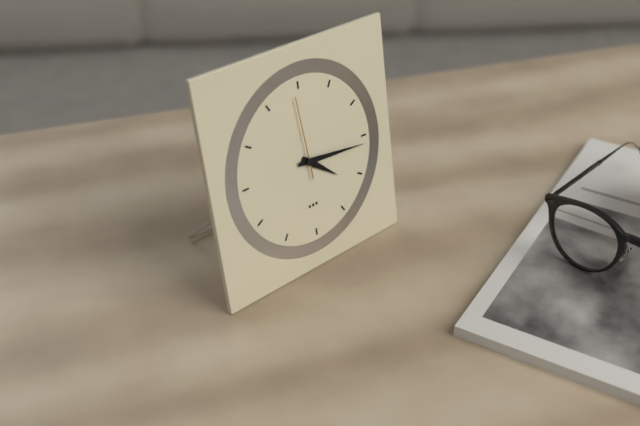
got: 4h16m59s
